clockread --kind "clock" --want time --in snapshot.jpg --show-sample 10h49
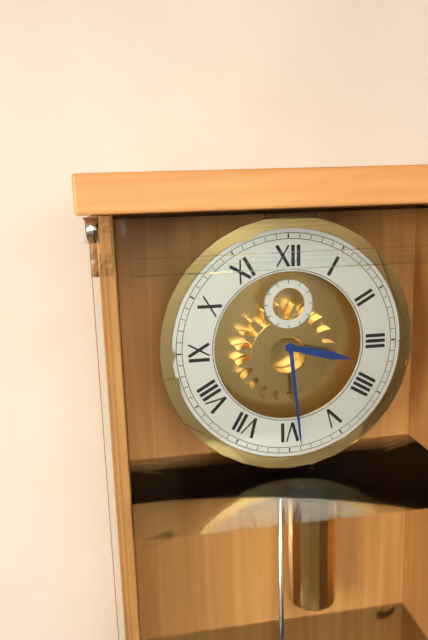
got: 3h29
